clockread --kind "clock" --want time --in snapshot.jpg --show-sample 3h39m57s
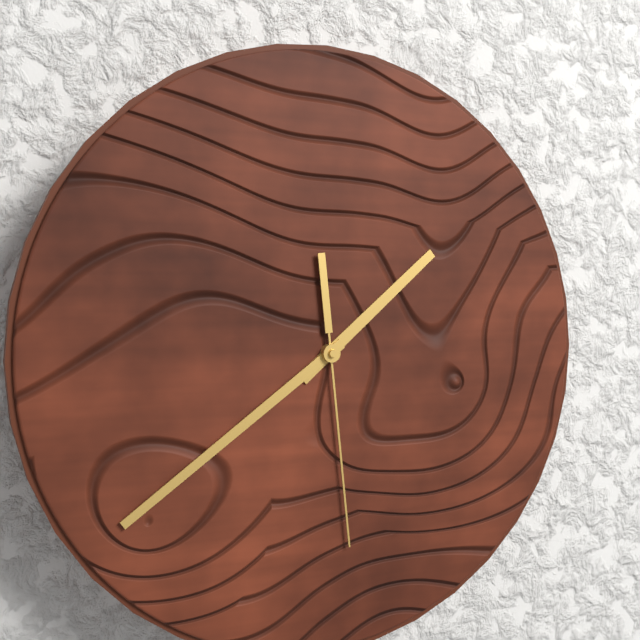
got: 1h39m29s
